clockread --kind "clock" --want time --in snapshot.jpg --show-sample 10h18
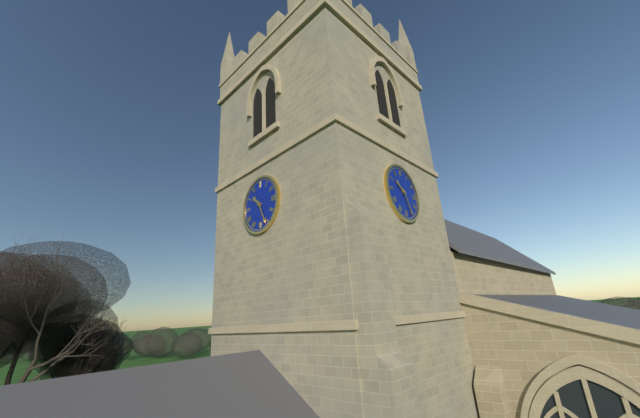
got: 10h26
